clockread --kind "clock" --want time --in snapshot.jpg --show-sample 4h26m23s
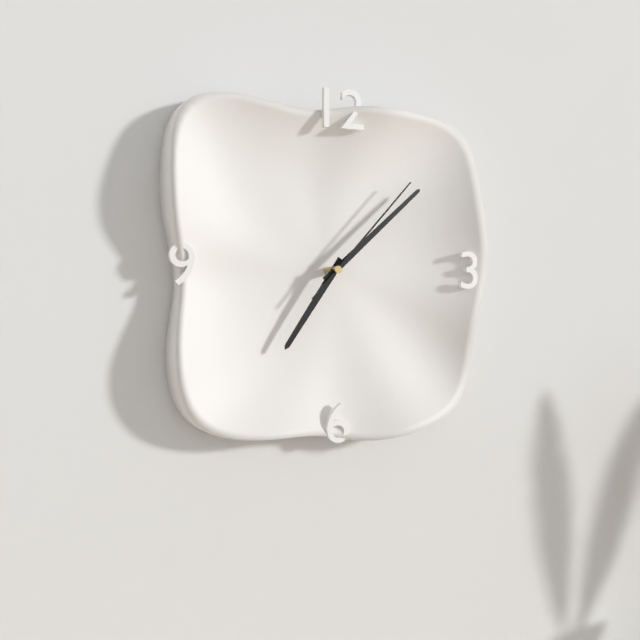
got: 7h08m07s
